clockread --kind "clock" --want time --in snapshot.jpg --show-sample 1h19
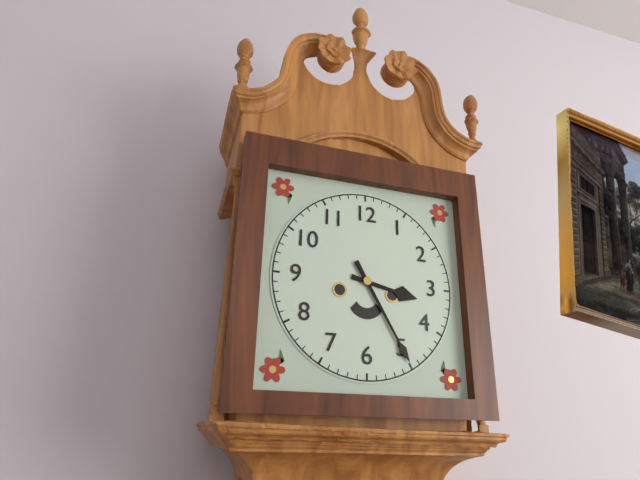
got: 3h25
